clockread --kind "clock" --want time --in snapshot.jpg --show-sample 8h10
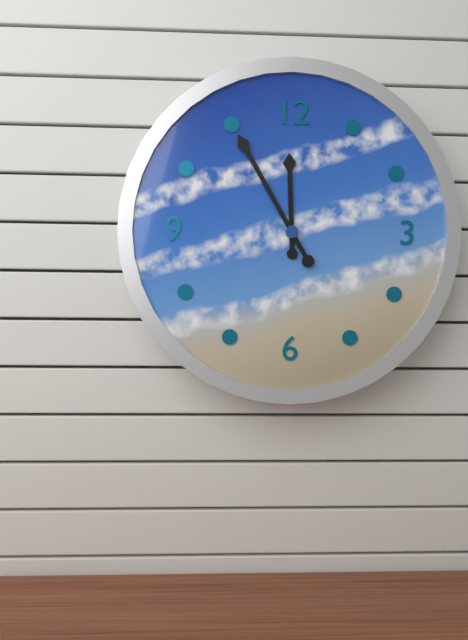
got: 11h55
